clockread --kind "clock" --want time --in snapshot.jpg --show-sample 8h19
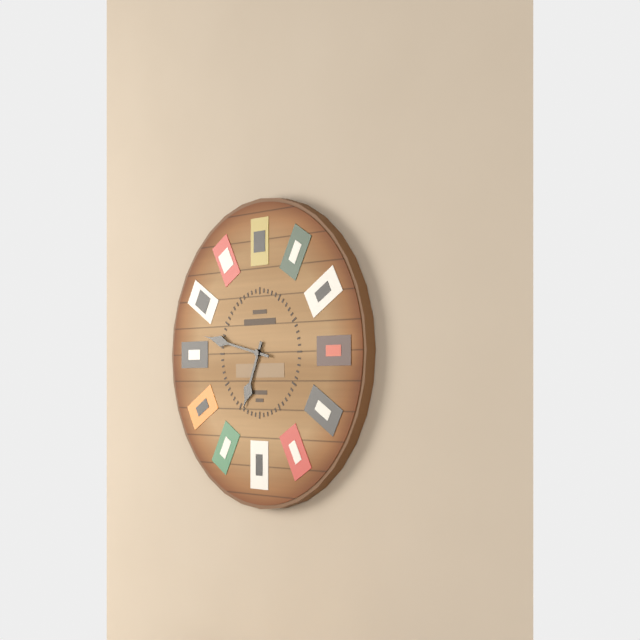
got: 6h47
